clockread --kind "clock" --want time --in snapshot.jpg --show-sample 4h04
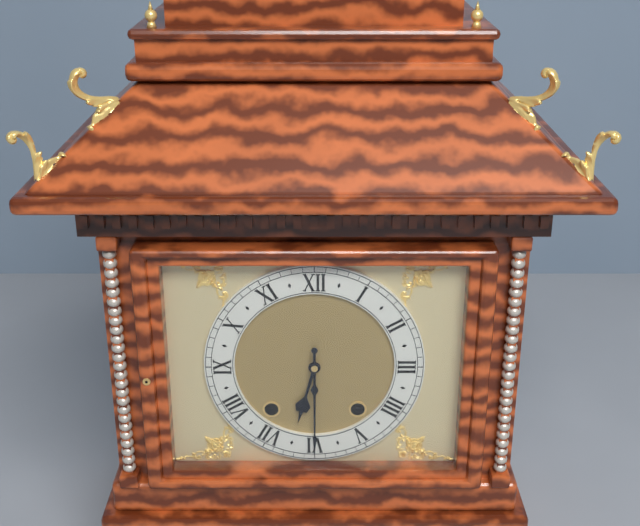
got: 6h30
